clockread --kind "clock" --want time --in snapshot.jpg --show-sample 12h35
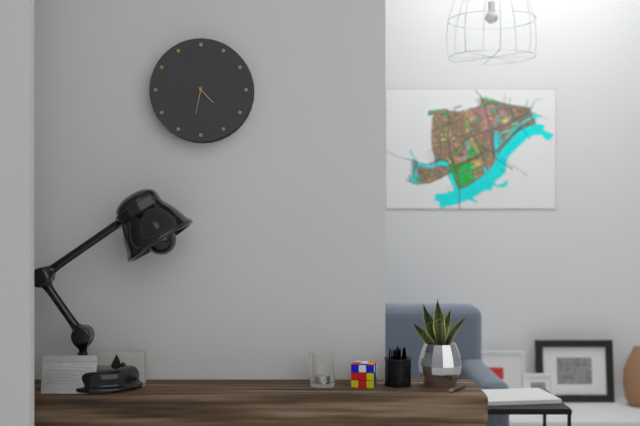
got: 4h32
